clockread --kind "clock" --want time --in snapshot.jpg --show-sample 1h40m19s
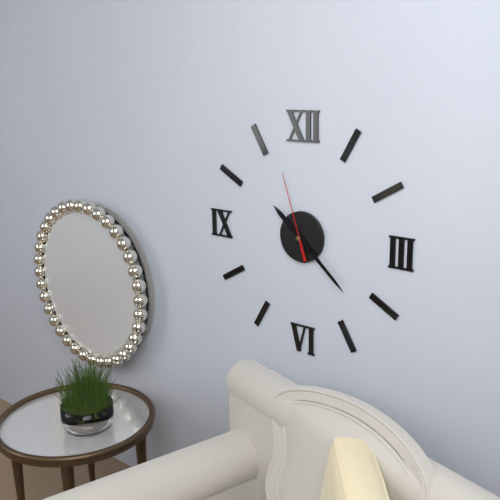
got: 10h22m57s
